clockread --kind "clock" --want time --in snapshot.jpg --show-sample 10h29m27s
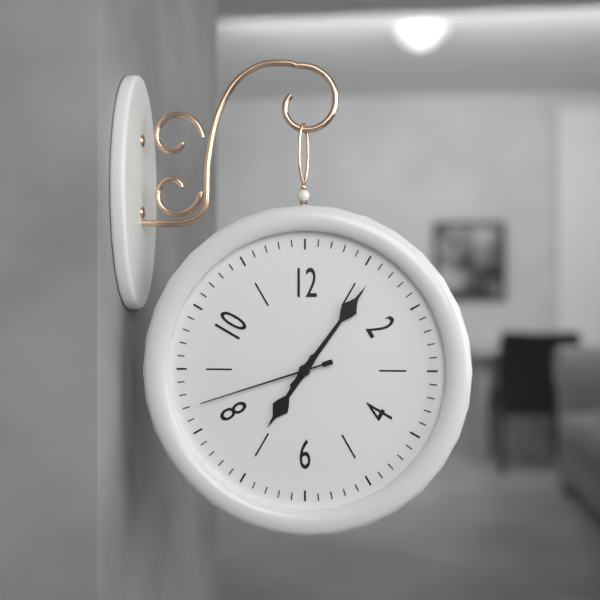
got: 7h06m42s
